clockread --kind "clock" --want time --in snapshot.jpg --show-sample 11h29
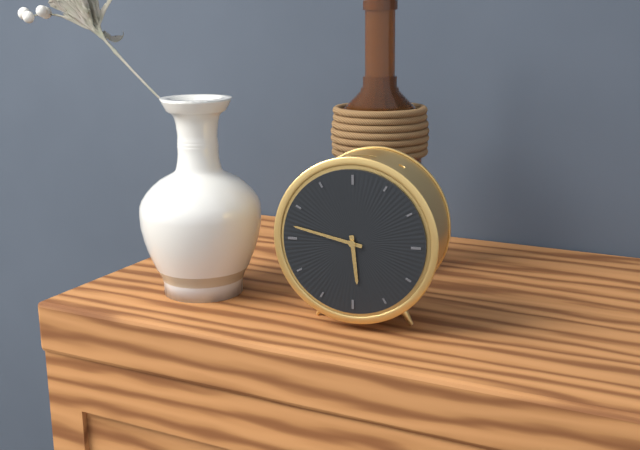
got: 5h47
